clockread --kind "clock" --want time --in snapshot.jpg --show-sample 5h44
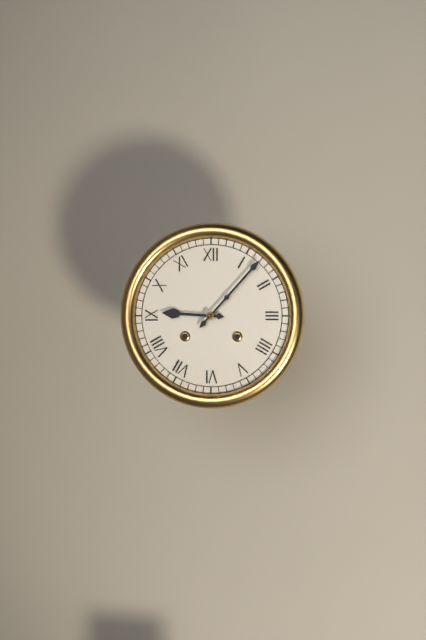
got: 9h07
